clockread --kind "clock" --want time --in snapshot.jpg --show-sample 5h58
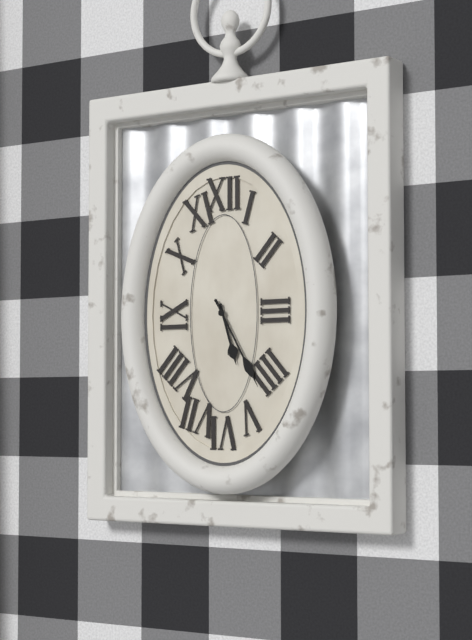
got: 5h25
